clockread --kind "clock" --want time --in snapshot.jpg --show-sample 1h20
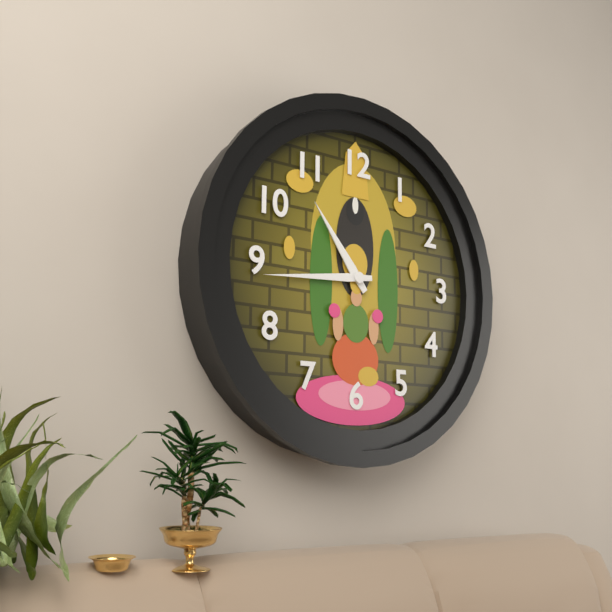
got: 10h44
